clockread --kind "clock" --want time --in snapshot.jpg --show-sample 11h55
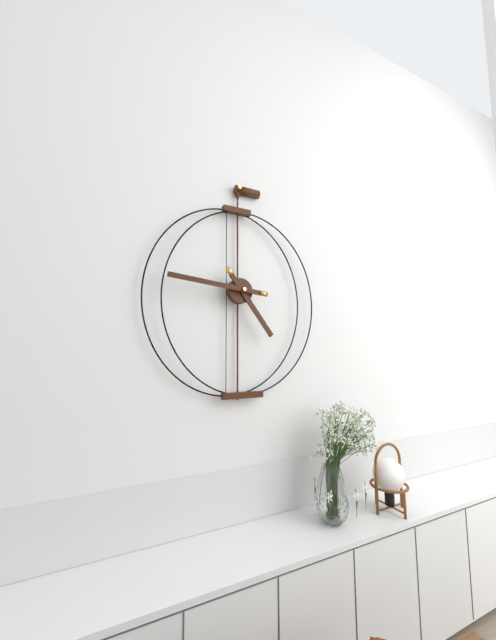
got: 4h46
